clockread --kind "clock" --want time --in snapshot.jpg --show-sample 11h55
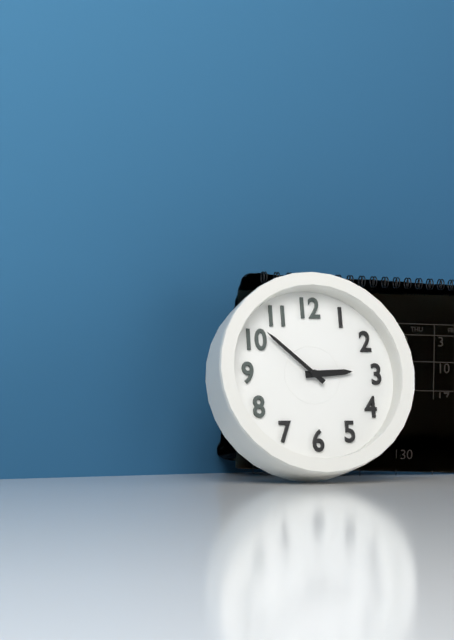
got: 2h52
